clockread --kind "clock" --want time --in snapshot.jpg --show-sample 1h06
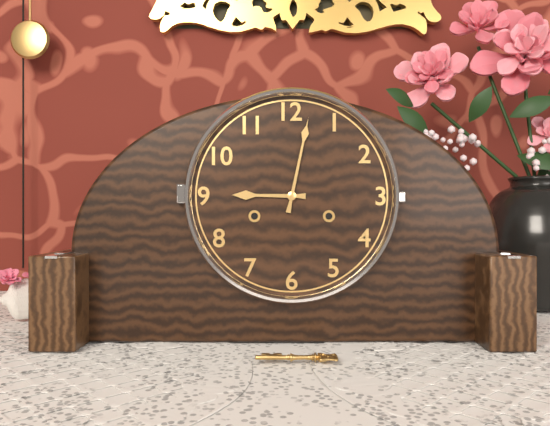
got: 9h02
